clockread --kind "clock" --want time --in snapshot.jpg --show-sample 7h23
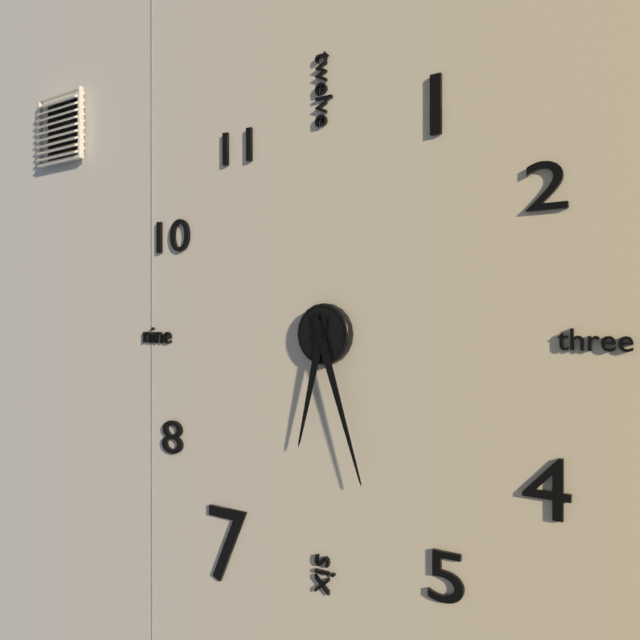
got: 6h27
